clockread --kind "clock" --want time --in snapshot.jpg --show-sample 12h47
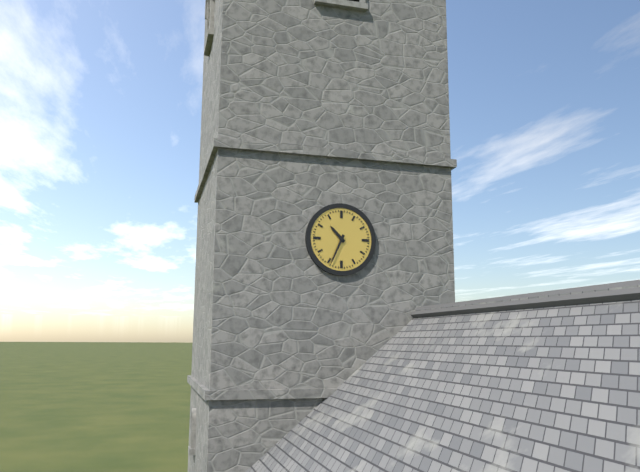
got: 10h34
